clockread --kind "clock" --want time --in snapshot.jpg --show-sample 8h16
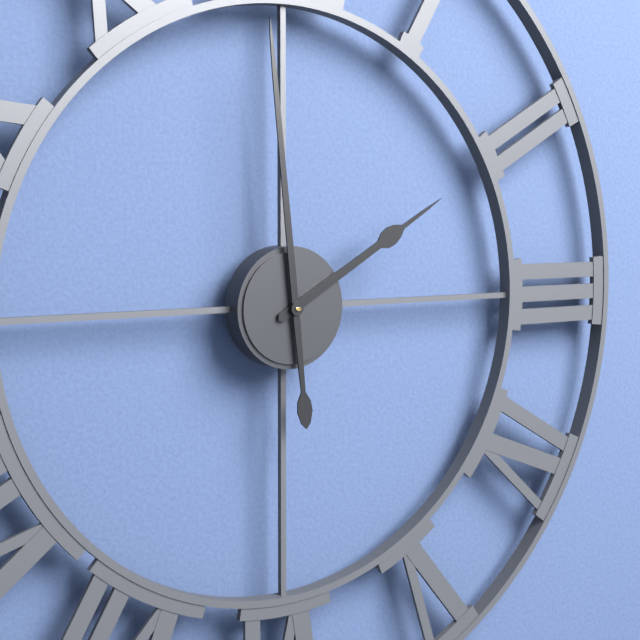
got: 1h59
